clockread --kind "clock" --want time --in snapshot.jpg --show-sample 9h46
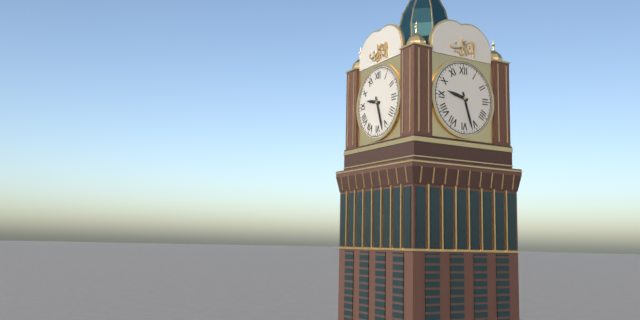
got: 9h27
